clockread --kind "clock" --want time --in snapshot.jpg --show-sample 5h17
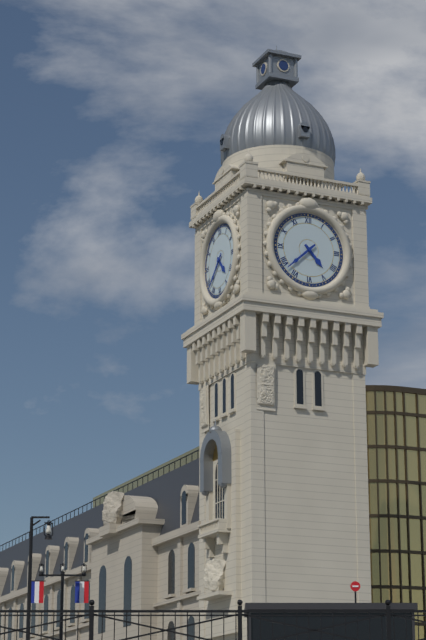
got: 4h38
